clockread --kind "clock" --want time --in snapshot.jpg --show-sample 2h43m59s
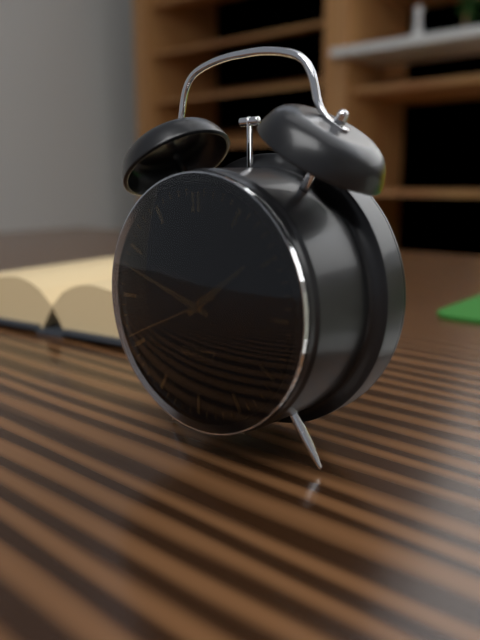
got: 1h48m41s
